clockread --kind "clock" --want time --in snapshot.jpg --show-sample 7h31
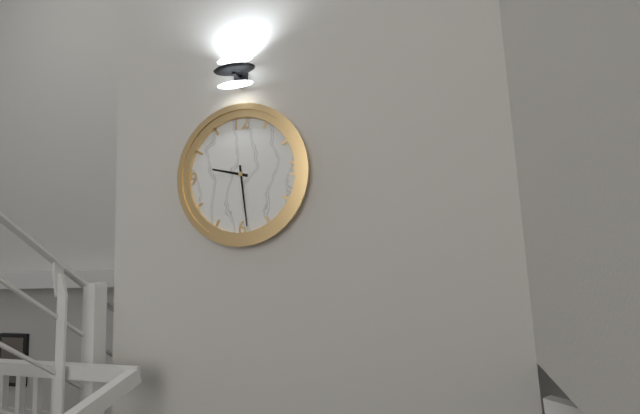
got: 9h29
